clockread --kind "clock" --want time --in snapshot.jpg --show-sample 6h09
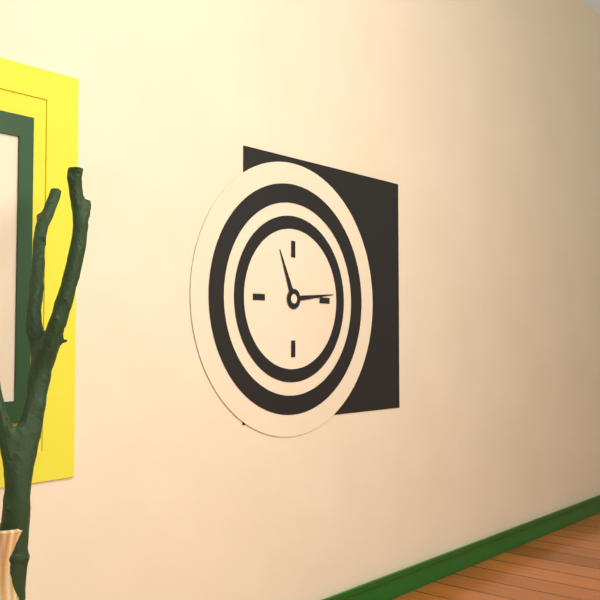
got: 11h14
